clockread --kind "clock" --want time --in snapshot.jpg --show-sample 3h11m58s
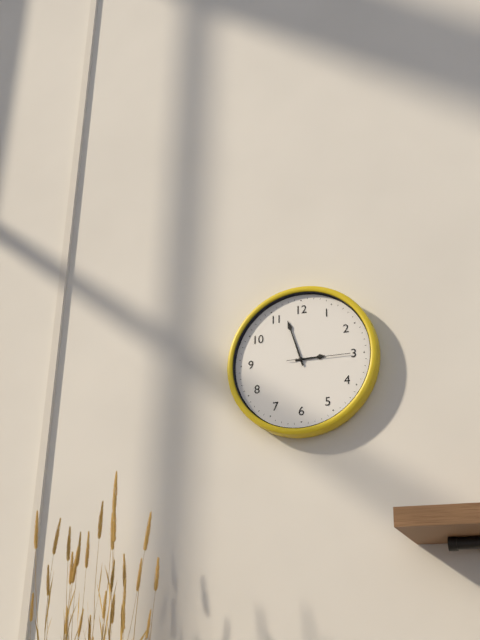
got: 2h57m15s
